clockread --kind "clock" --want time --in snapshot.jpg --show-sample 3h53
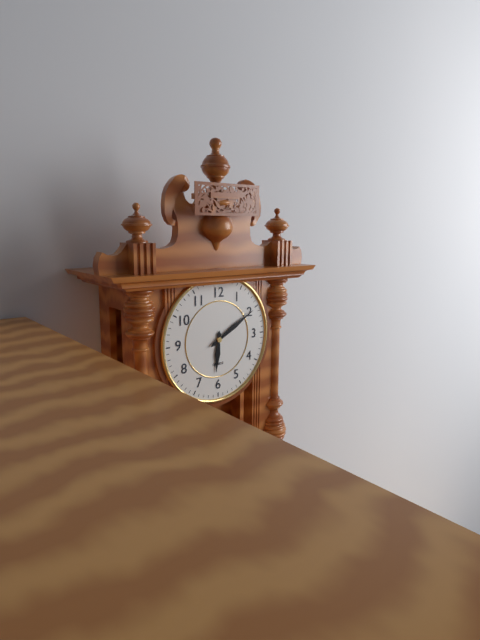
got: 6h10
